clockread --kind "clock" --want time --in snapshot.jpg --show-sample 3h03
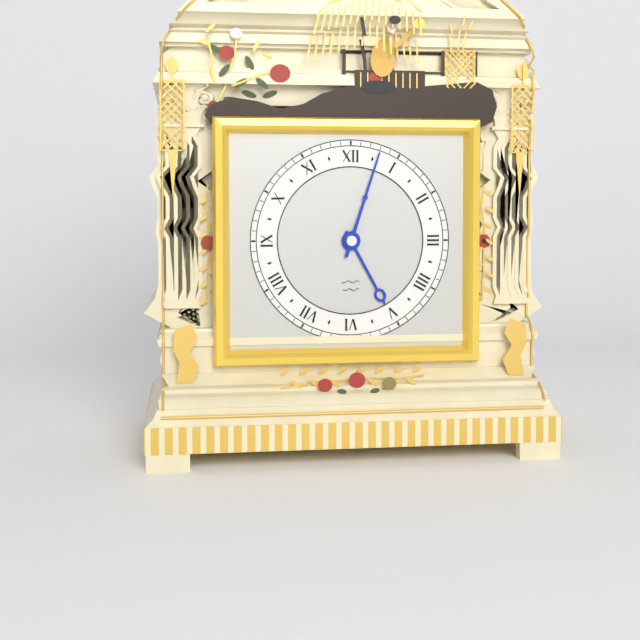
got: 5h03
